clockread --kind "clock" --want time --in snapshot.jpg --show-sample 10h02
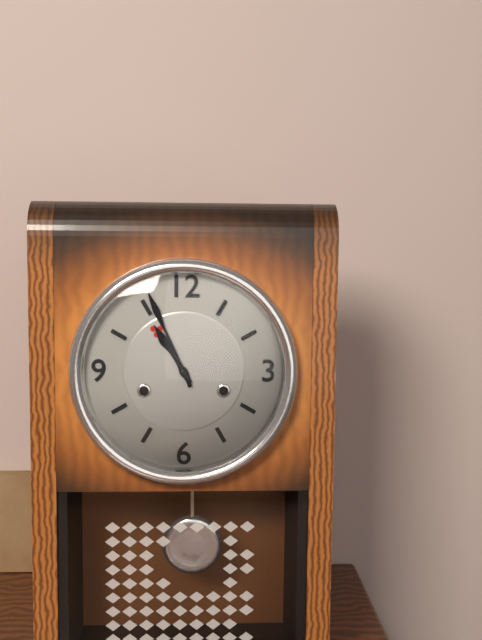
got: 10h56
